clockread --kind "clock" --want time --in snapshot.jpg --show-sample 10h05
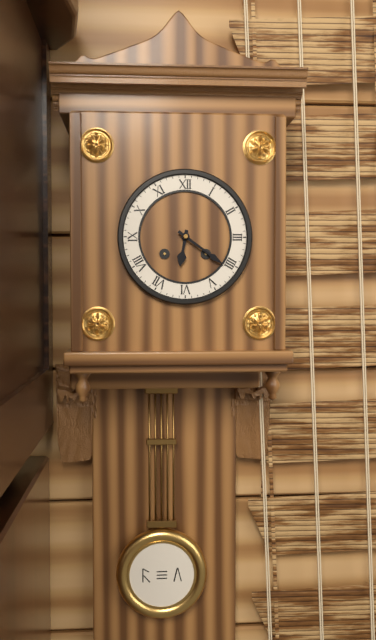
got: 6h21
